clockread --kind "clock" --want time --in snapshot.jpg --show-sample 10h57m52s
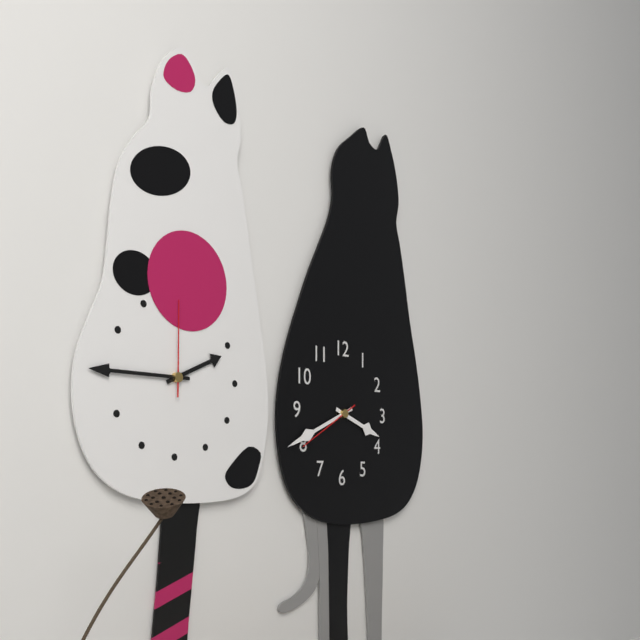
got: 3h41m40s
